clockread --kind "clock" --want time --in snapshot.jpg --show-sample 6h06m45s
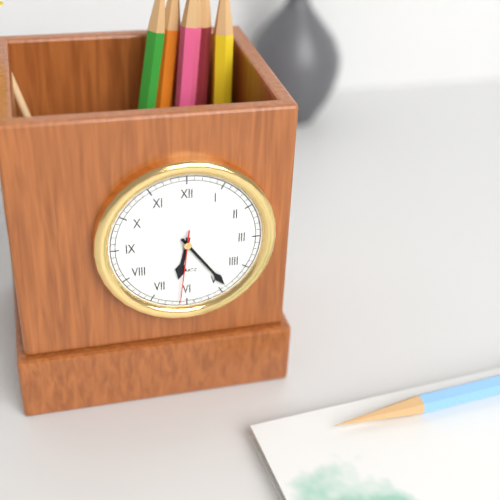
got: 6h24m31s
